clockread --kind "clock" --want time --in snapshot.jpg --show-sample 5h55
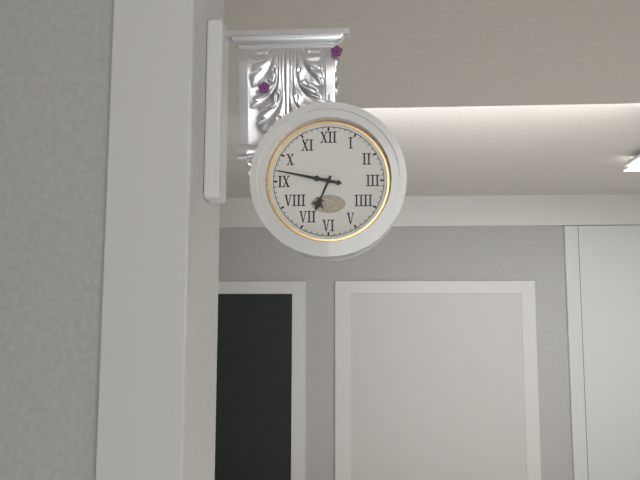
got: 6h47
